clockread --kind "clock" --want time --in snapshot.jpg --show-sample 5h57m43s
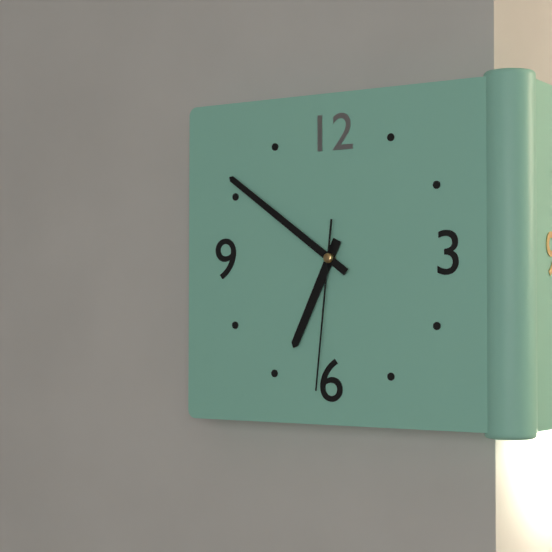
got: 6h51m31s
